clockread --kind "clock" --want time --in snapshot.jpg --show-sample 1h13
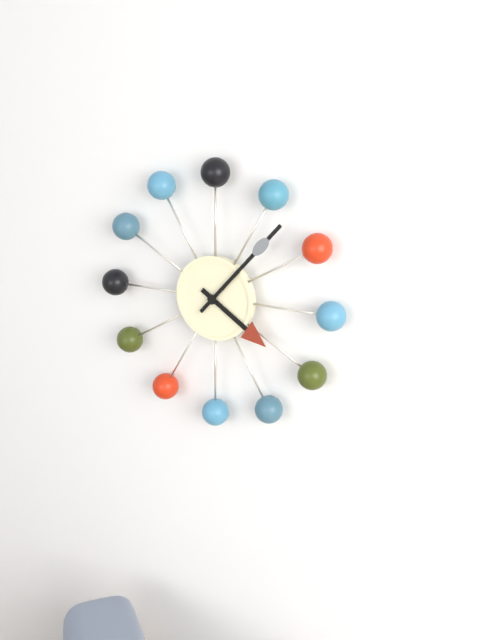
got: 4h07
